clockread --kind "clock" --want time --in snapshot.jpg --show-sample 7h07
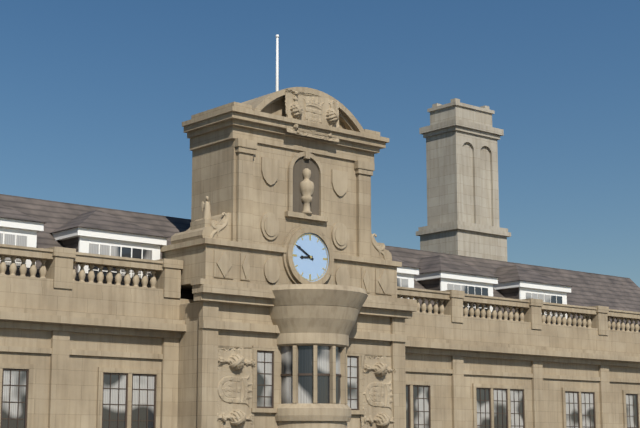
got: 8h50
